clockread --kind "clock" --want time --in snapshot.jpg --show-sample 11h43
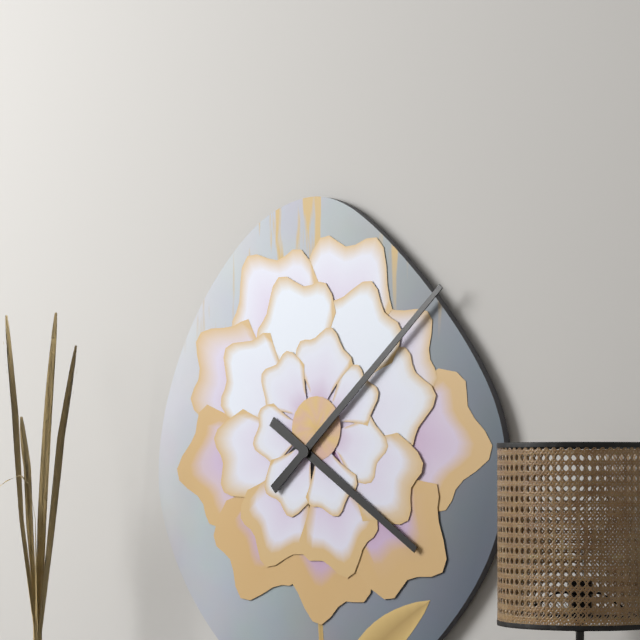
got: 4h08
